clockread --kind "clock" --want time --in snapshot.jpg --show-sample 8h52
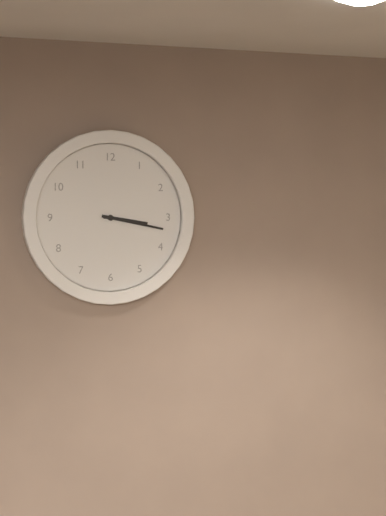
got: 3h17
